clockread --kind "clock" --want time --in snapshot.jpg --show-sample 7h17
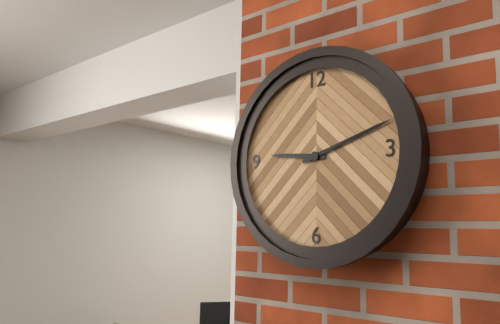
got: 9h12
